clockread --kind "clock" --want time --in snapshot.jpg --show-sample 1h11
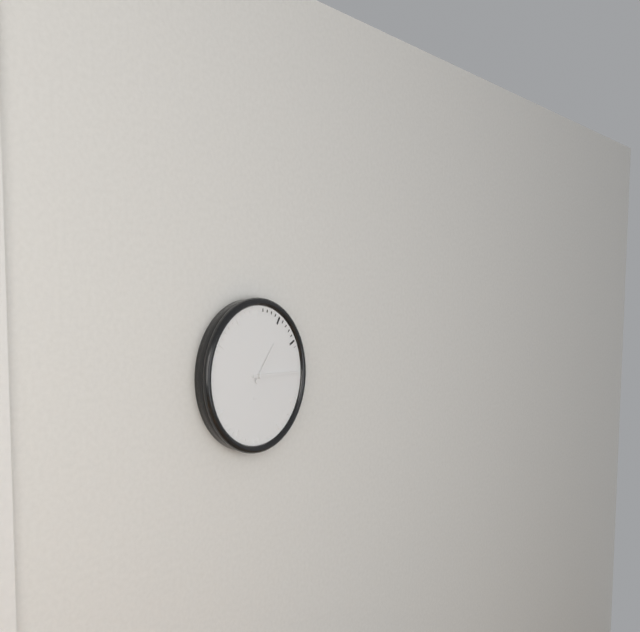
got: 1h15
